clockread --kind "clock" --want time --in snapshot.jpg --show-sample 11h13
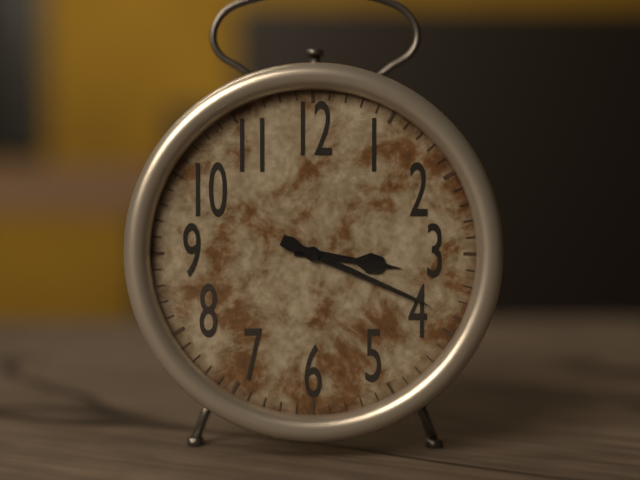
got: 3h19
